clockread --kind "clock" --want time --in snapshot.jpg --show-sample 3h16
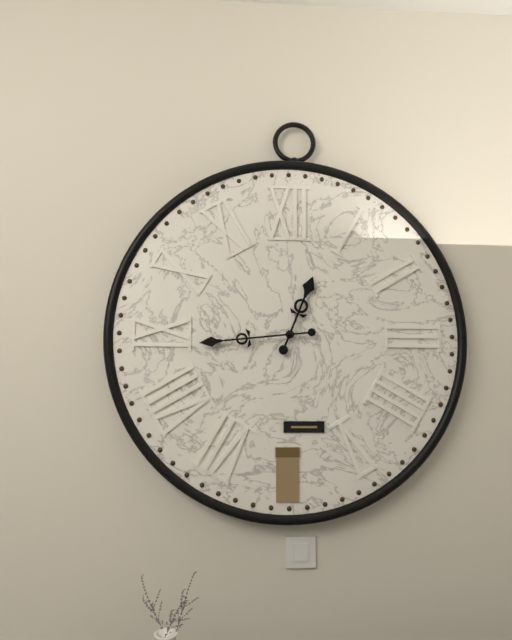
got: 12h44
